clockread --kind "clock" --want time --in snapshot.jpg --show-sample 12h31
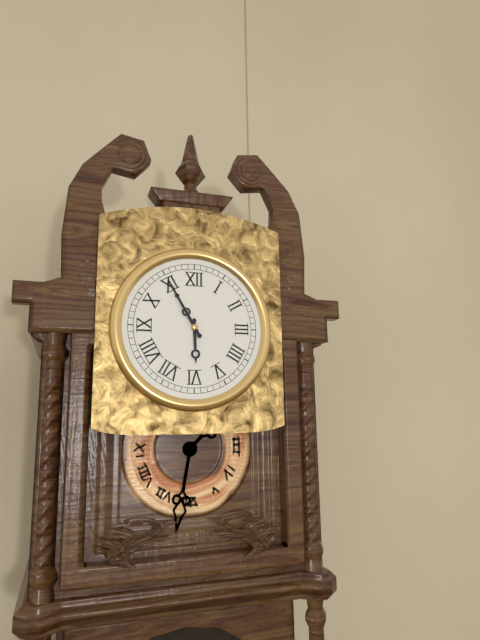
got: 5h55
